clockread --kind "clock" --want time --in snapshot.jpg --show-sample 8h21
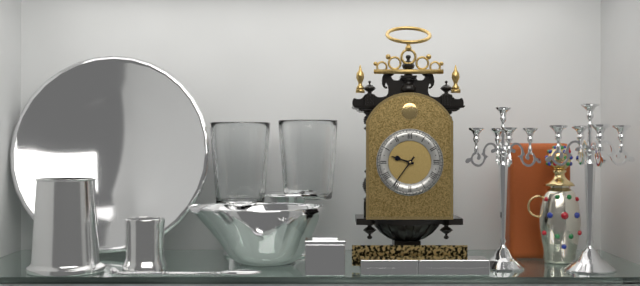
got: 9h36
